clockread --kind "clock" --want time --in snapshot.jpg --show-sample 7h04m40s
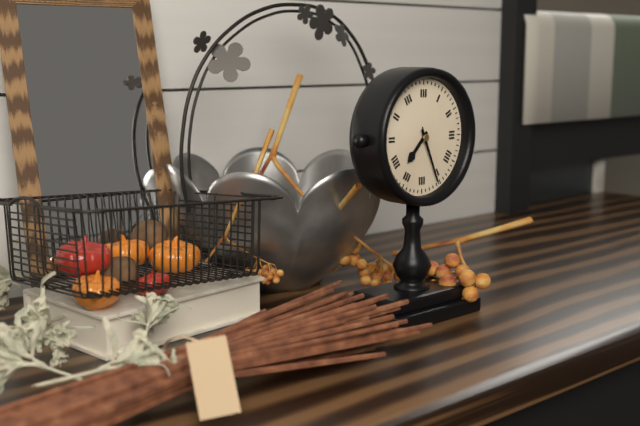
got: 7h26m26s
